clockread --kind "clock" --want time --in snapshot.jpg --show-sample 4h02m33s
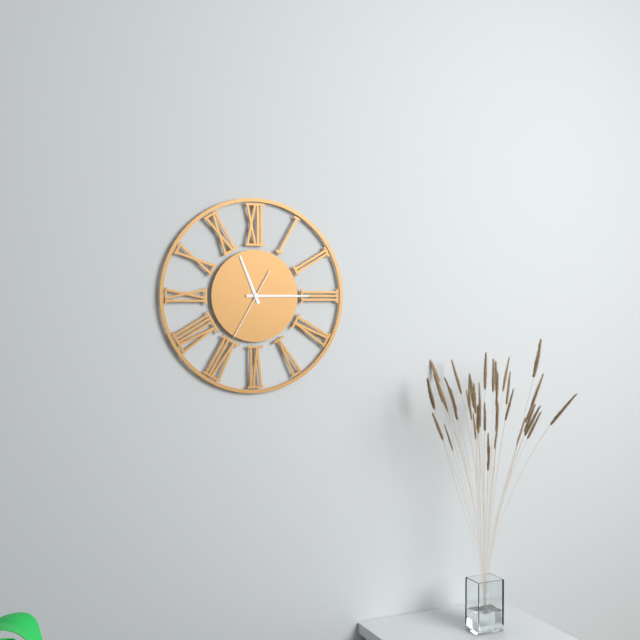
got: 11h15m35s
